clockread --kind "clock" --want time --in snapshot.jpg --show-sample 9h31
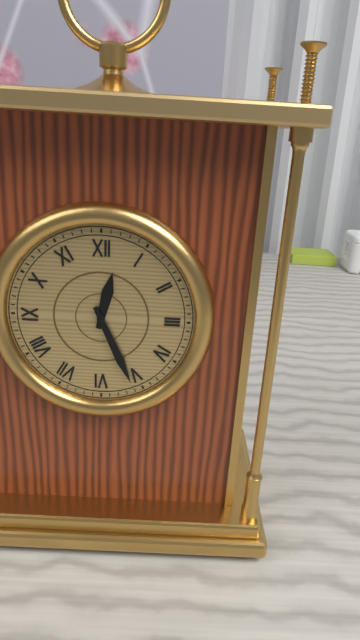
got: 12h26
